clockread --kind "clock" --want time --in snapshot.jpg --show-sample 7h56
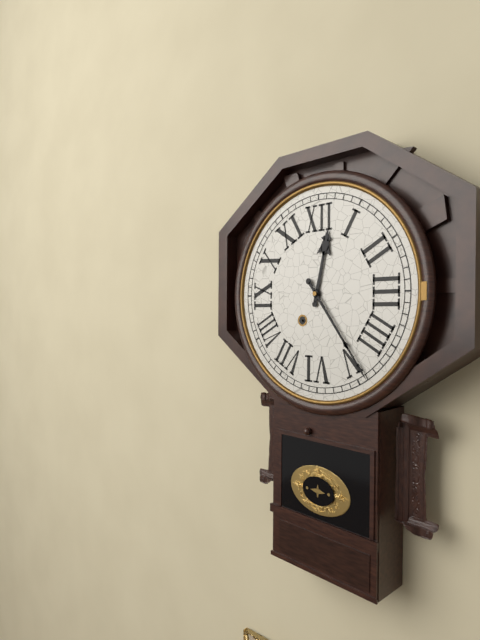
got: 12h24
